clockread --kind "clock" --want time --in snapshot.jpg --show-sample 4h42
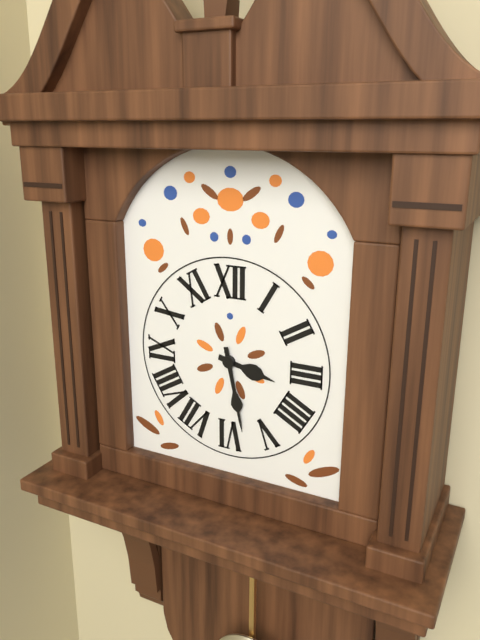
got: 3h28
